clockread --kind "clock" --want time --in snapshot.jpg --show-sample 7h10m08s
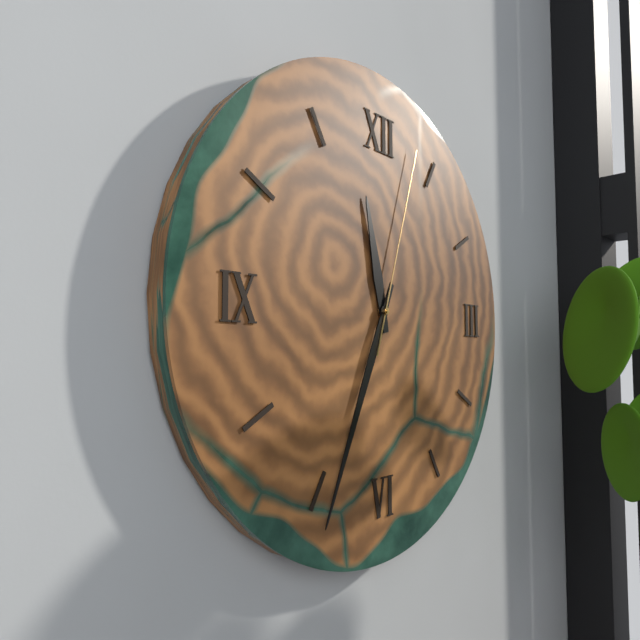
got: 11h34m03s
